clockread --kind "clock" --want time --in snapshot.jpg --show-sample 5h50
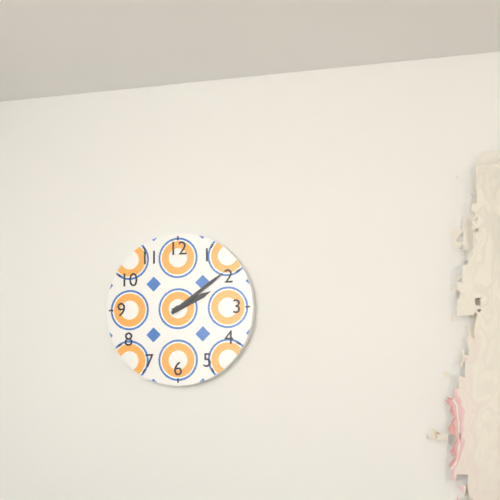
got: 2h09
